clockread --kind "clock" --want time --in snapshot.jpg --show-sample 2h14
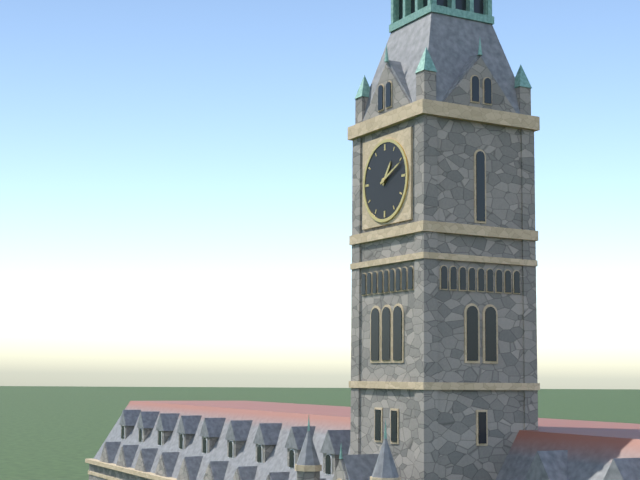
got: 1h11
